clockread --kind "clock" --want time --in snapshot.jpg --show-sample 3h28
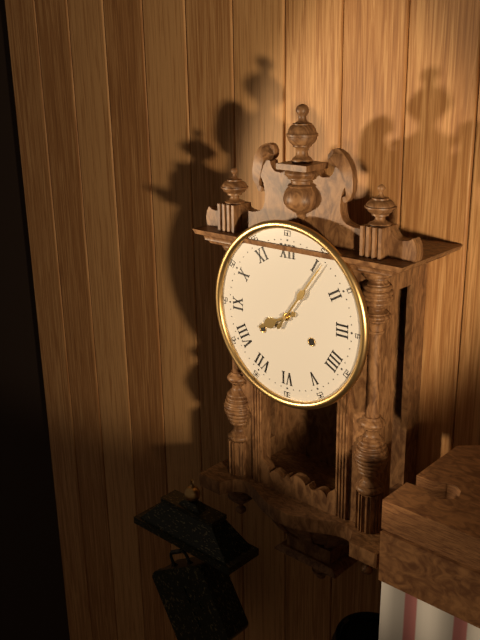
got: 8h06
